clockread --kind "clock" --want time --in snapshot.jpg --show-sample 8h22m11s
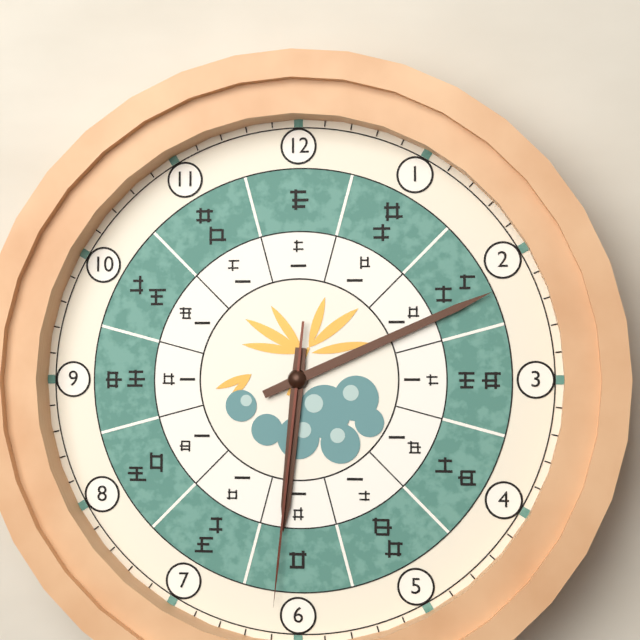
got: 6h11m31s
